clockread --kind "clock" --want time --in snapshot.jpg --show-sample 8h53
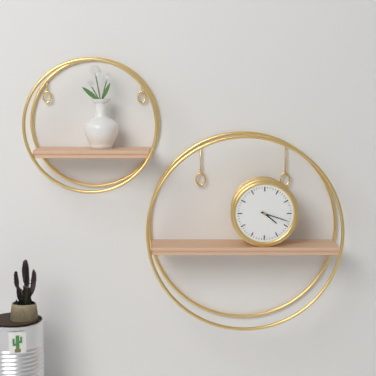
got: 4h18
